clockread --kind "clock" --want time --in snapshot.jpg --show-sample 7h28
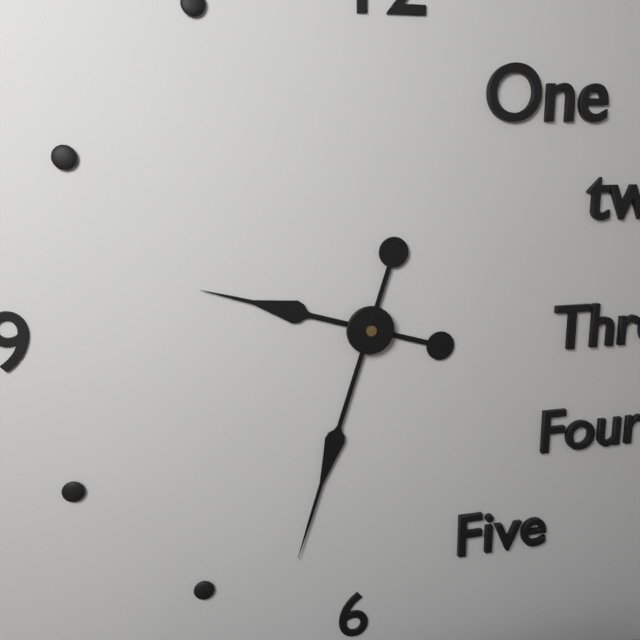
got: 9h33
